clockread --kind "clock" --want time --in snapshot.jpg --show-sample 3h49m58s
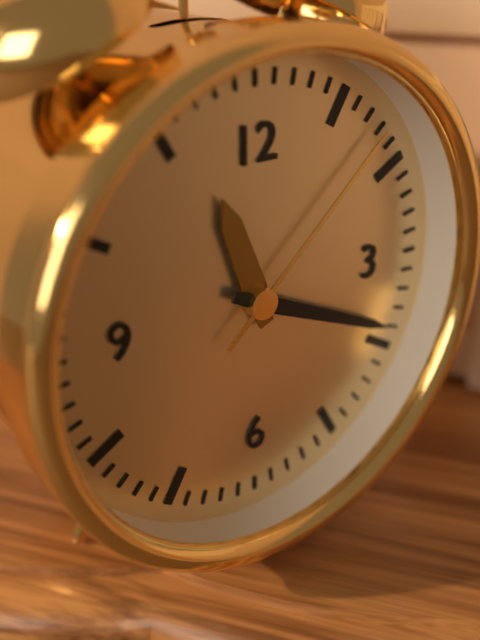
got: 11h19m08s
